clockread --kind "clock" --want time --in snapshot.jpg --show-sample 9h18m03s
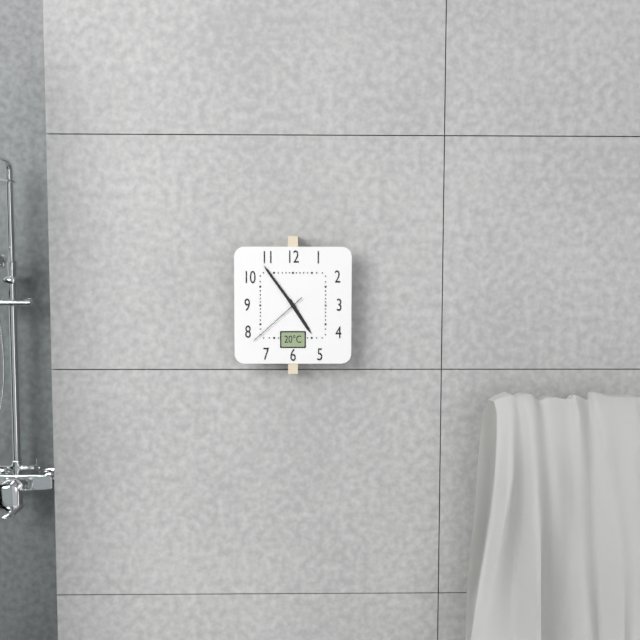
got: 4h54m38s
